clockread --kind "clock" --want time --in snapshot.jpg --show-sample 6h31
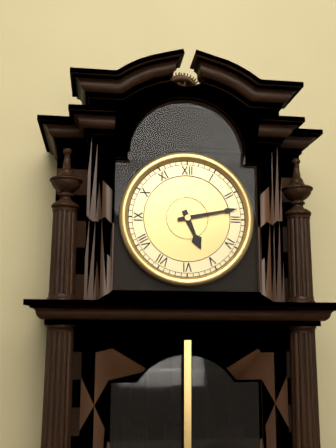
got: 5h13
